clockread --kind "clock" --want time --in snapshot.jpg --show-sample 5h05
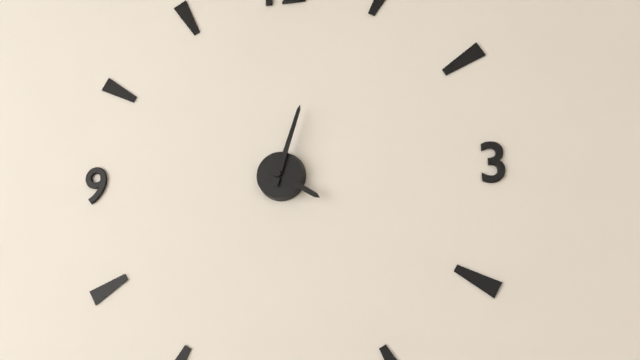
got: 4h03
